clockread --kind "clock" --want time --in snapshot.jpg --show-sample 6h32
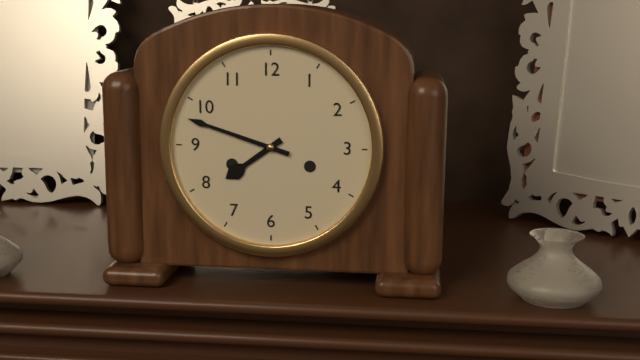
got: 7h48
